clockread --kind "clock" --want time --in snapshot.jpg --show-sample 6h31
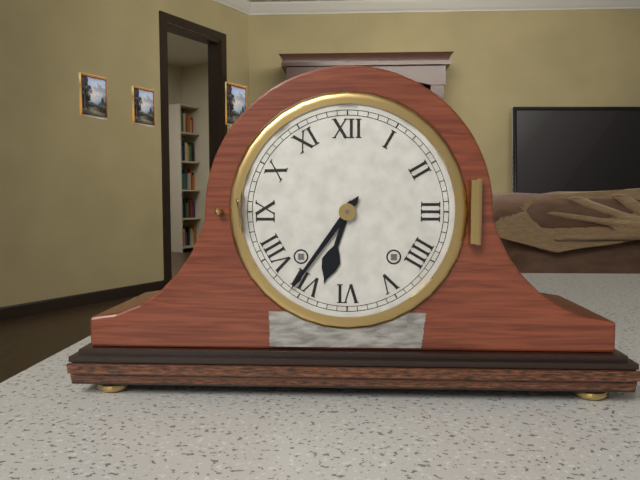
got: 6h36
